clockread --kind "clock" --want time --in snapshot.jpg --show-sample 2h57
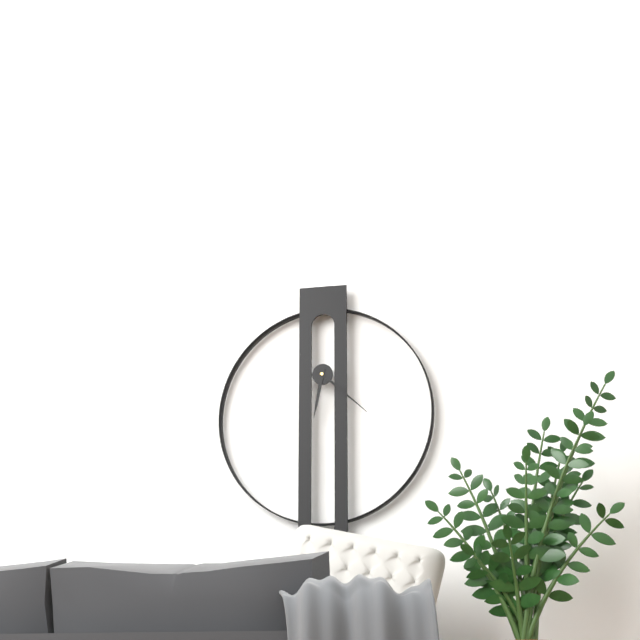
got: 6h22
